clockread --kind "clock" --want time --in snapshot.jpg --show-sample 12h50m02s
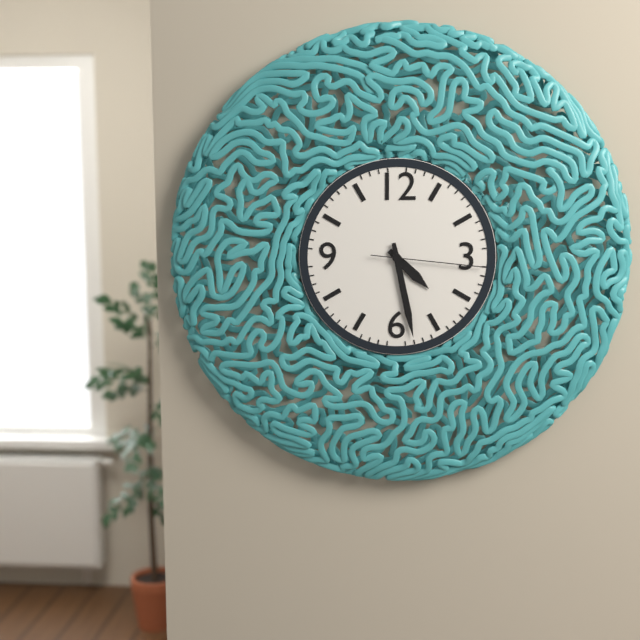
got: 4h28m16s
